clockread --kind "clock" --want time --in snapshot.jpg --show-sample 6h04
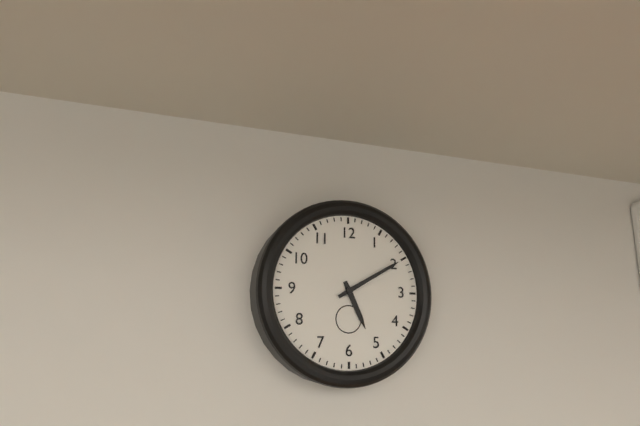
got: 5h10
